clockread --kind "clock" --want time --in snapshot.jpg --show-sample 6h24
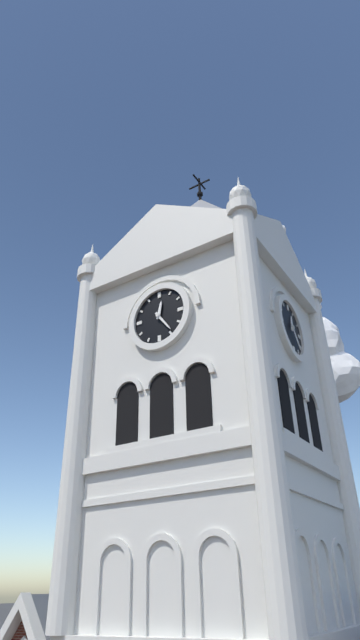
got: 12h24
